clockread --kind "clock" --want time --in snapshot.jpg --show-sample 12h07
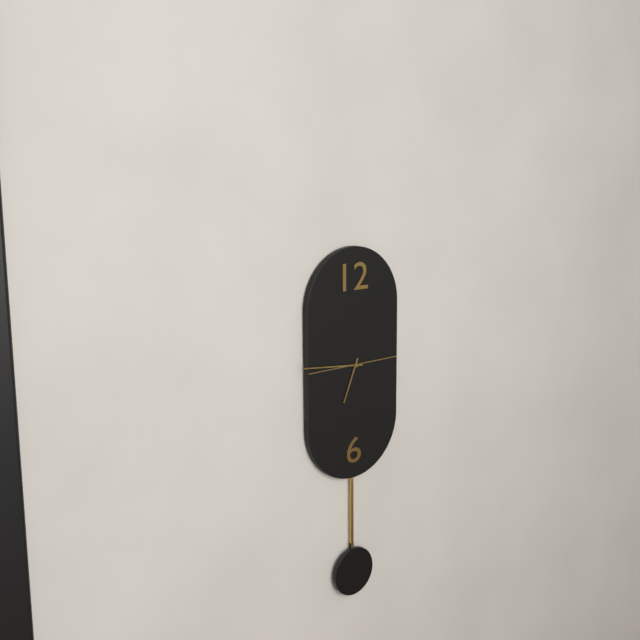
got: 6h46
